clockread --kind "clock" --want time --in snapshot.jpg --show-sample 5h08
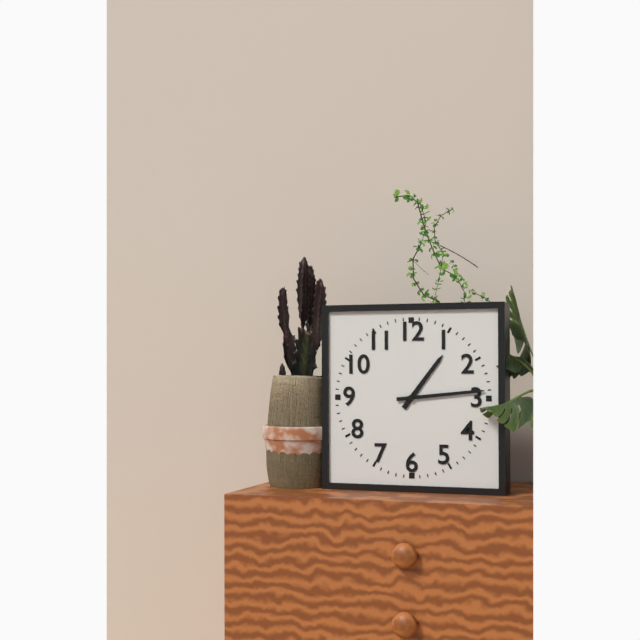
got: 1h14
